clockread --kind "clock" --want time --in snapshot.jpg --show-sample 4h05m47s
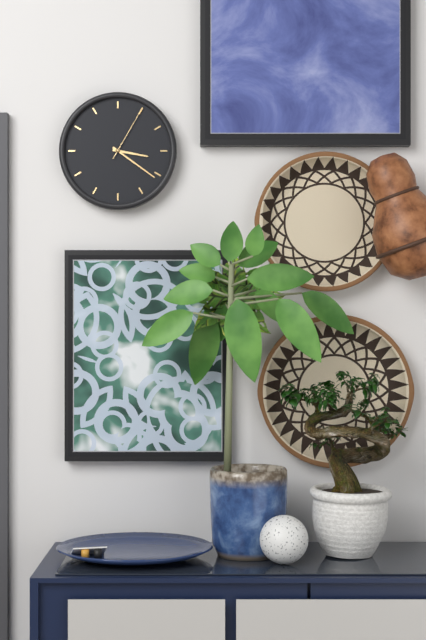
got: 3h21m05s
